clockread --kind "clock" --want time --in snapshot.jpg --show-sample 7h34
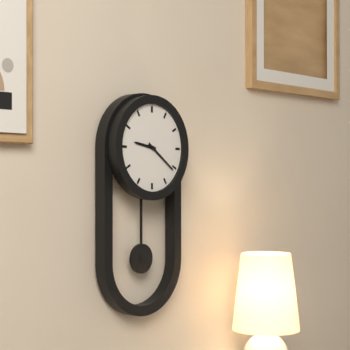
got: 9h21
